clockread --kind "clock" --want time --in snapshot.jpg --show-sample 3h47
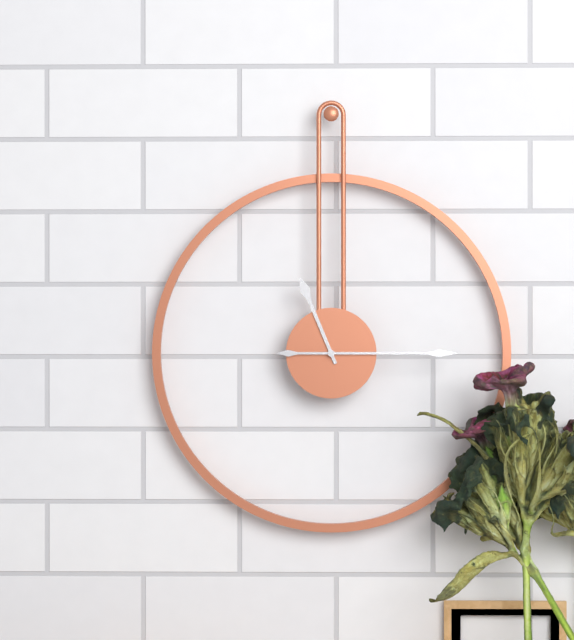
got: 11h15
